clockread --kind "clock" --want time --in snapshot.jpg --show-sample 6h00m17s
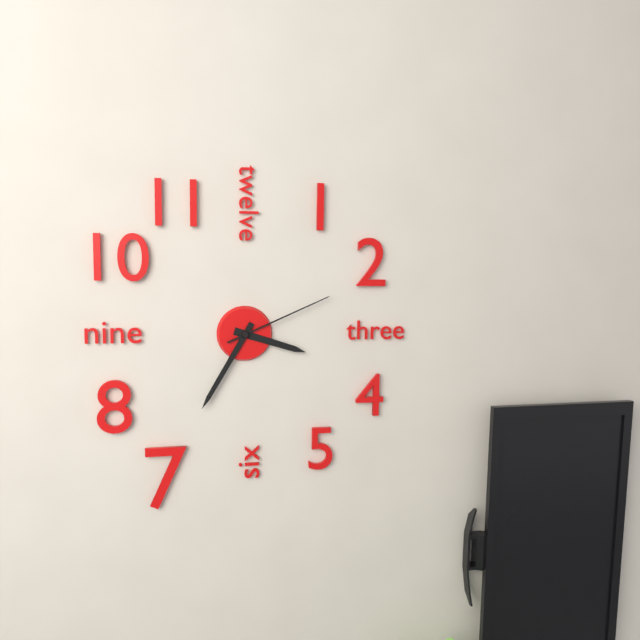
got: 3h35m11s
